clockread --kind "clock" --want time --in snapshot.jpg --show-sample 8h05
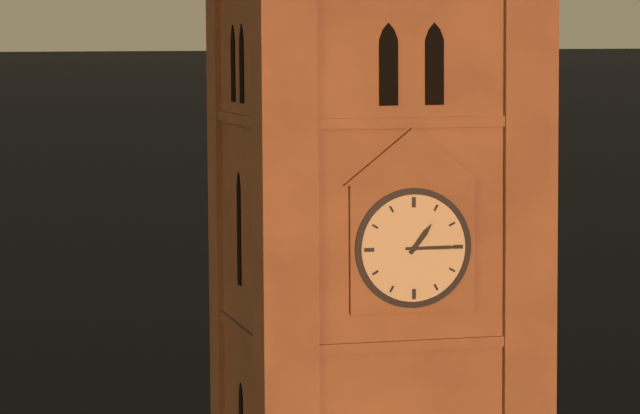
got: 1h15
